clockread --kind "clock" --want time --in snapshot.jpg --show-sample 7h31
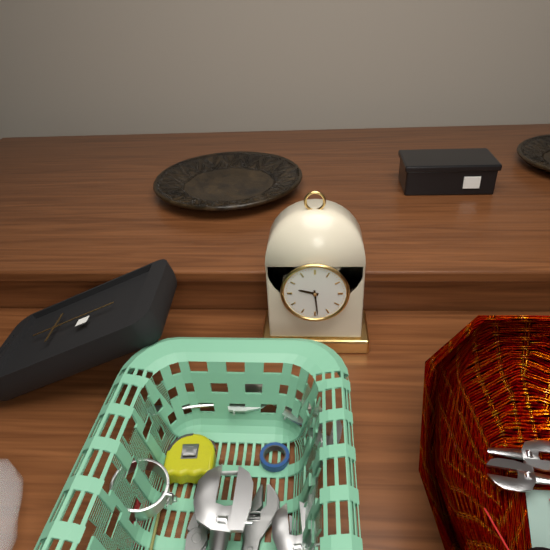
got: 9h29
